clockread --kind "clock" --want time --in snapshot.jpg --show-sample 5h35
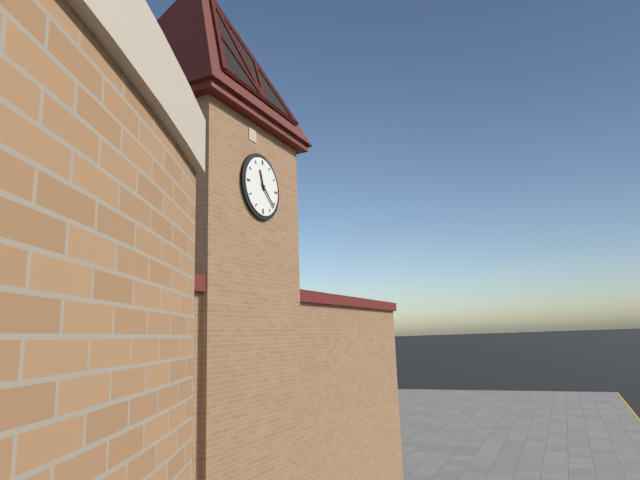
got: 11h22
